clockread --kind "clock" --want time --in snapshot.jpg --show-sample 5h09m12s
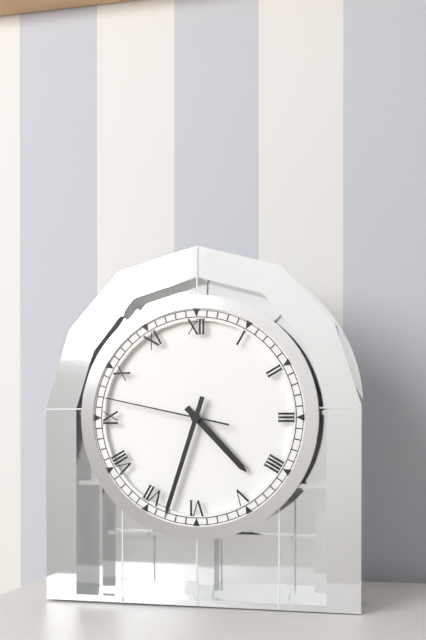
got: 4h33m47s
